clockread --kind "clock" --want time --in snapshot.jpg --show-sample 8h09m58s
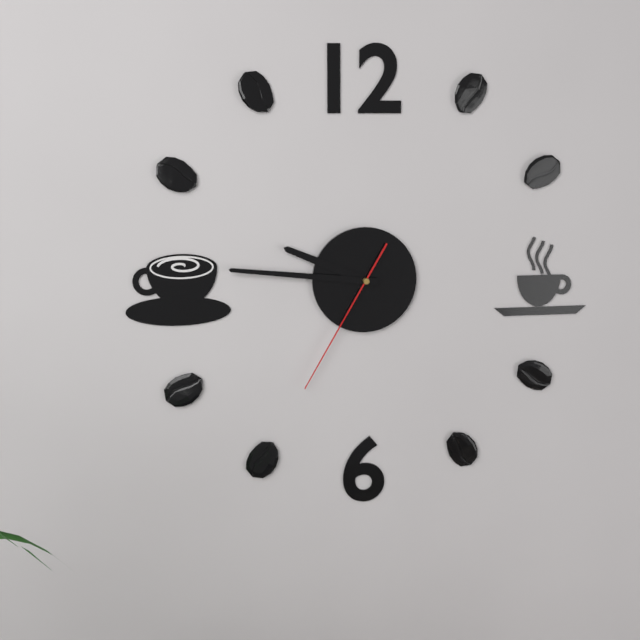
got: 9h46m35s
